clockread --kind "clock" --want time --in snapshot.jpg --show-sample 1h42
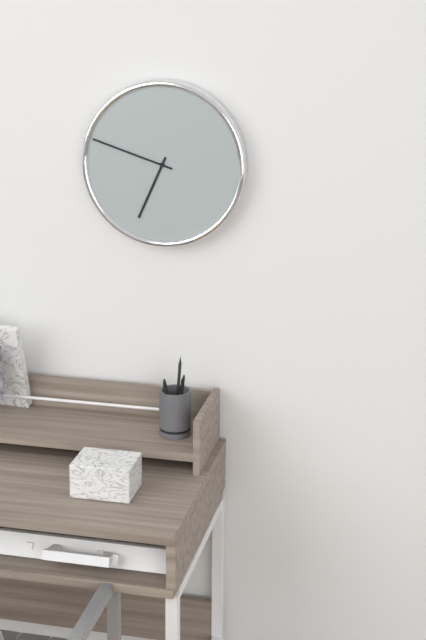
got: 6h48
